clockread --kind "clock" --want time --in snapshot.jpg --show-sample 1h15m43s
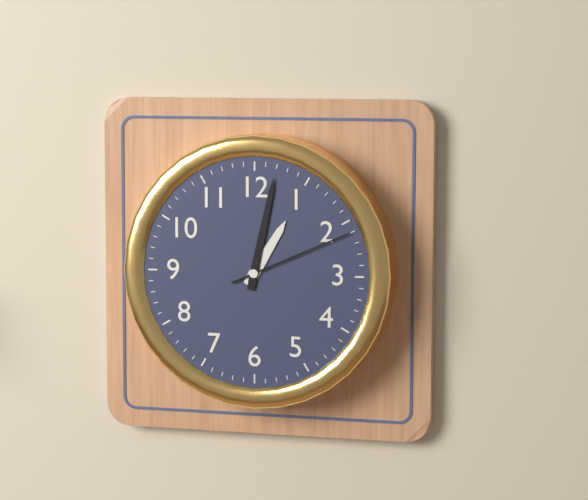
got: 1h02m11s
